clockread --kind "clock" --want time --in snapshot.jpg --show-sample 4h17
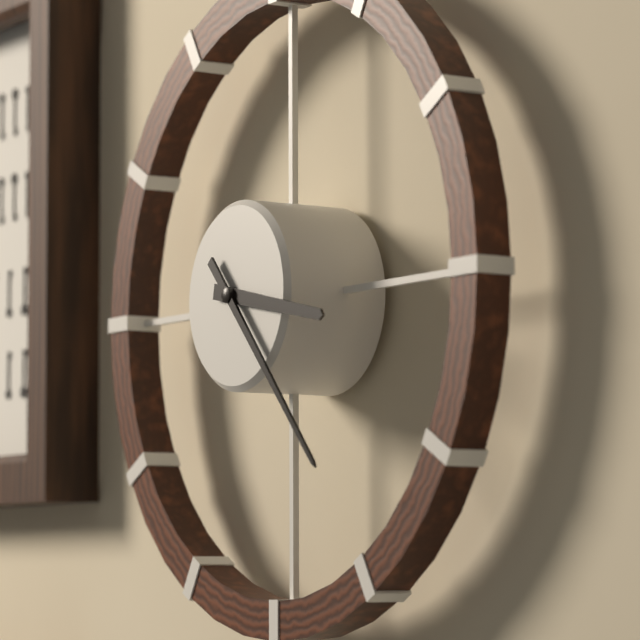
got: 3h23
